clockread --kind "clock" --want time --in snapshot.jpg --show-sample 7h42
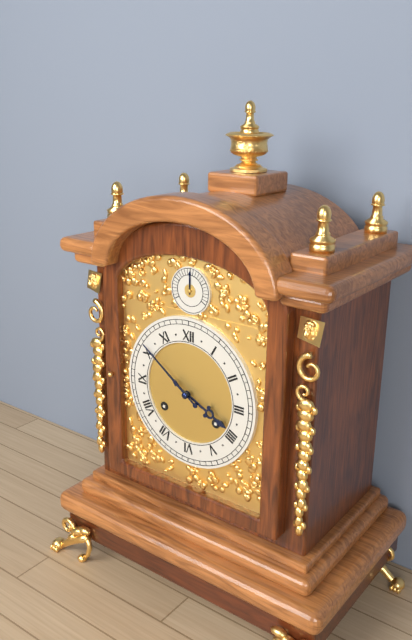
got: 3h51
